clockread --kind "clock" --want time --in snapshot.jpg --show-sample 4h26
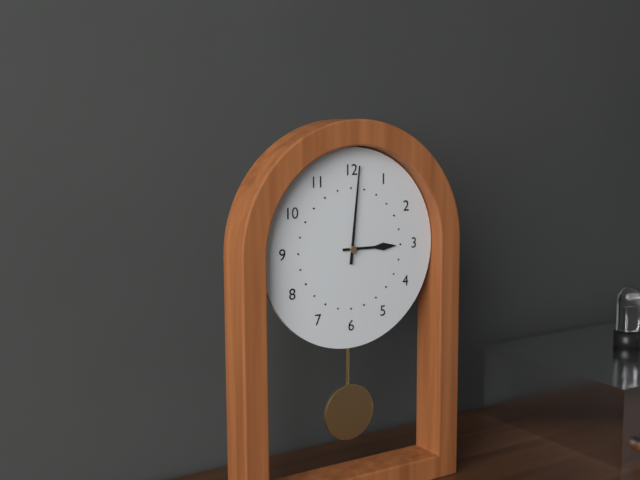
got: 3h01
